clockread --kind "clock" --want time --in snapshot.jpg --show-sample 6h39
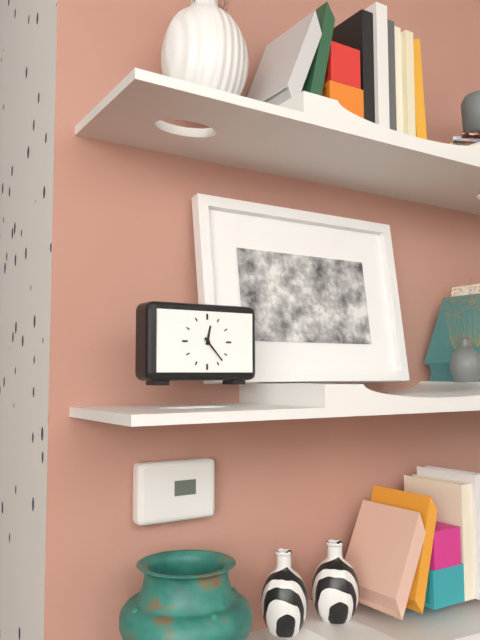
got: 12h23
